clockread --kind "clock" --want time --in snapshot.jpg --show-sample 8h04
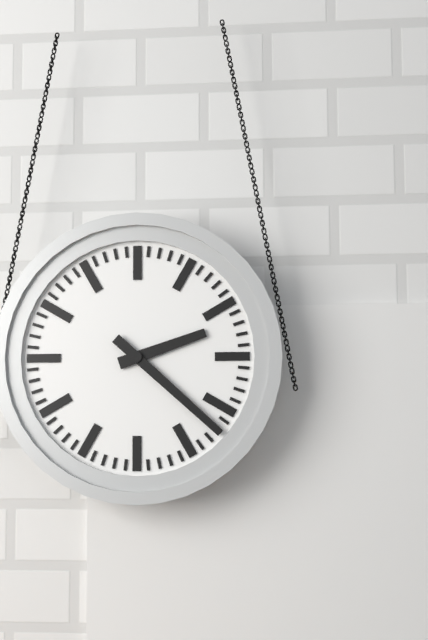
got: 2h22
